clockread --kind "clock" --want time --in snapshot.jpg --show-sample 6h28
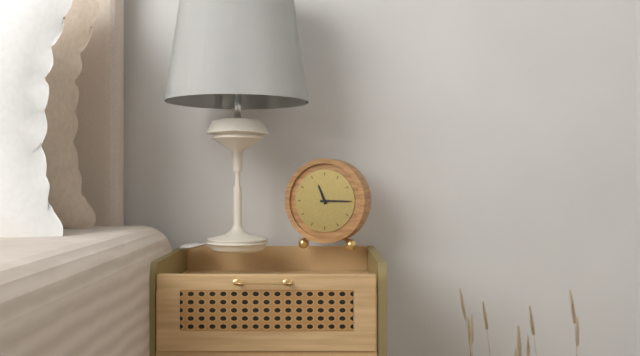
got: 11h15
